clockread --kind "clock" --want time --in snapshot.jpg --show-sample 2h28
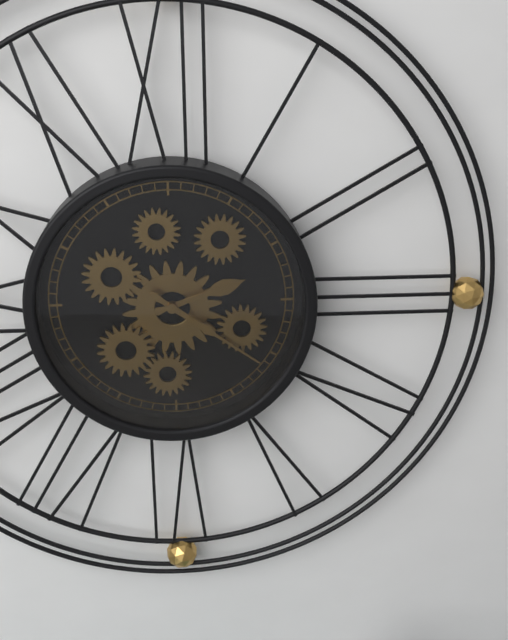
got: 2h21
